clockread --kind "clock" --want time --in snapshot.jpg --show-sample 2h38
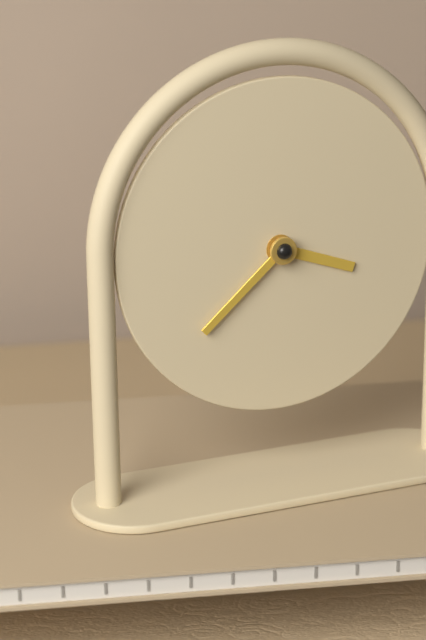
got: 3h38
